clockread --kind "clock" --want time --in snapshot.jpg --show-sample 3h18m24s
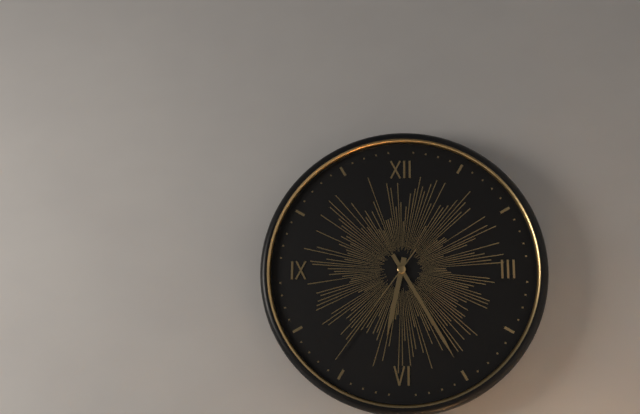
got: 6h25m36s
